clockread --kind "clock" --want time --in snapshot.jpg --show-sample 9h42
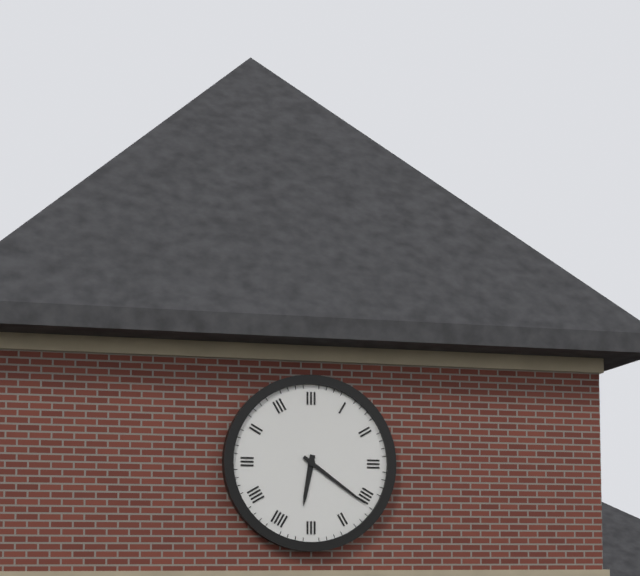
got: 6h21
